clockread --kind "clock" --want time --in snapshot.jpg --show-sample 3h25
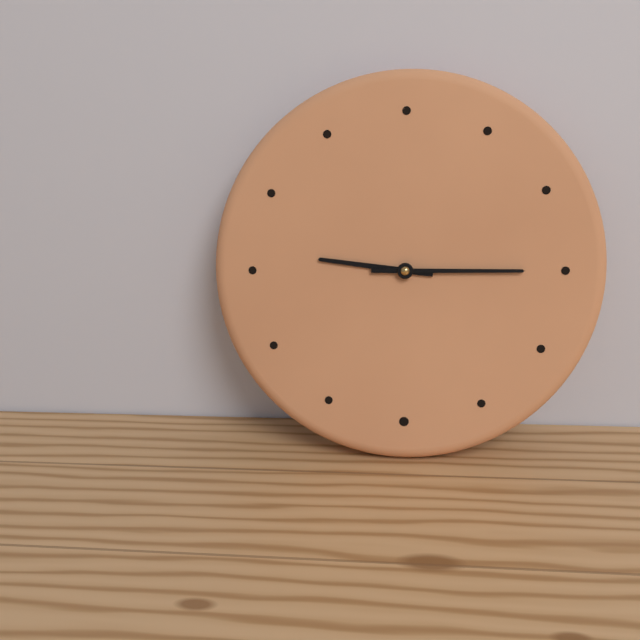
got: 9h15
